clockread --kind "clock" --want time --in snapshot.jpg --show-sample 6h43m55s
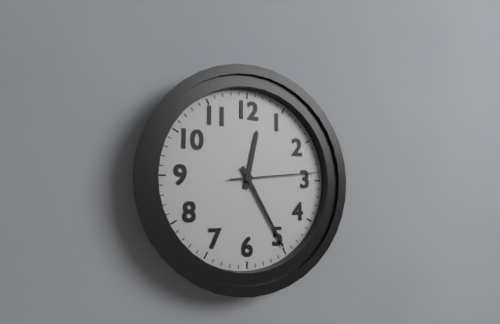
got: 12h25m14s
